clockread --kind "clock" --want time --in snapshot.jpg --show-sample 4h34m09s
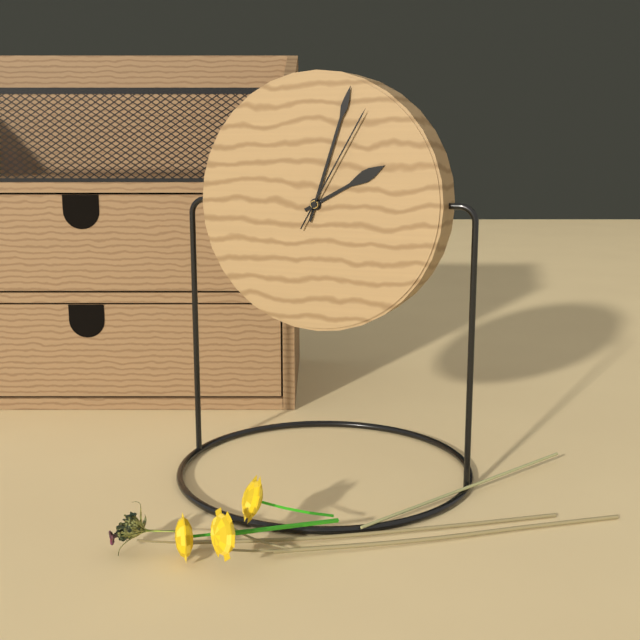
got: 2h03m05s
